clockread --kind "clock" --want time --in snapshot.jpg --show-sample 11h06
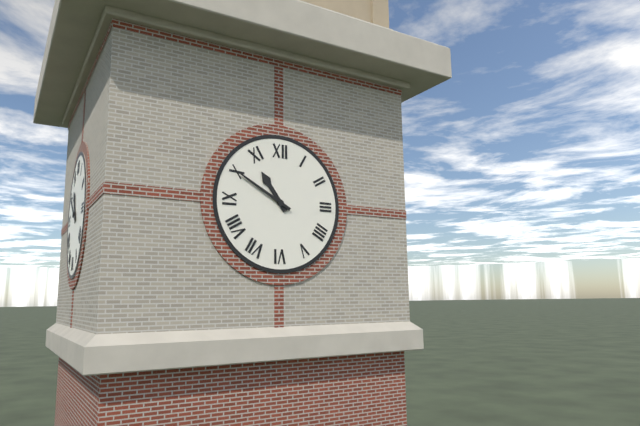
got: 10h50
